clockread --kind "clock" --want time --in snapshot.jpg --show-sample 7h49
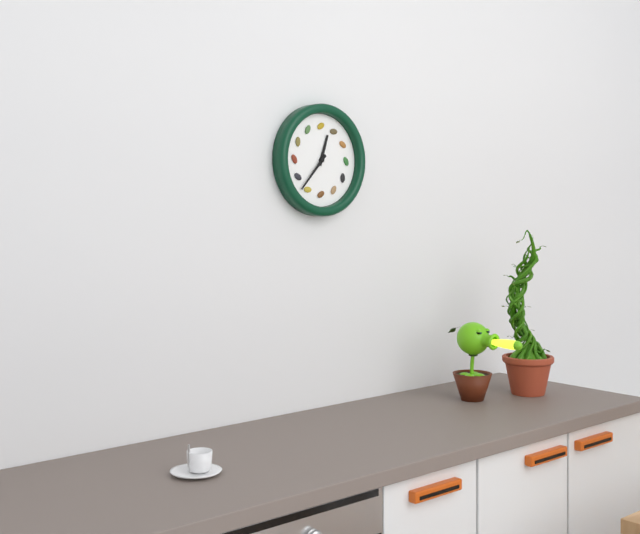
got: 12h37
